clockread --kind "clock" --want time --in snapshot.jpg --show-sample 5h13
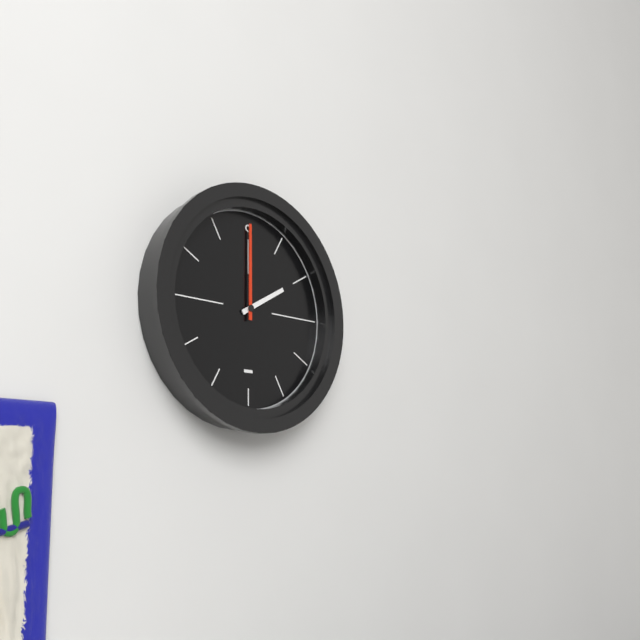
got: 2h00
